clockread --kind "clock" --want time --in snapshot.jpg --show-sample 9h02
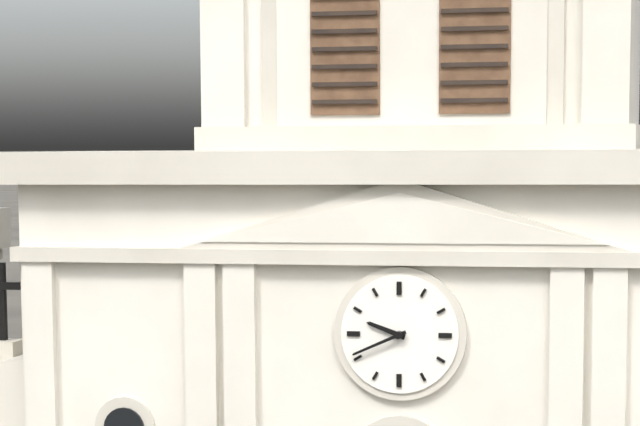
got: 9h41
